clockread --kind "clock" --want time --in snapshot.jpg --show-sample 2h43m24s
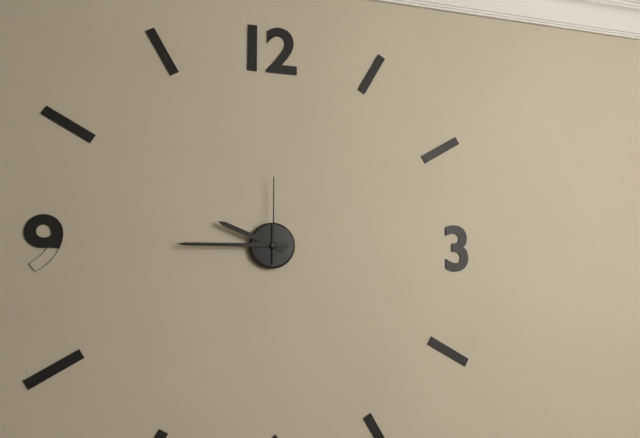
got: 9h45m00s
